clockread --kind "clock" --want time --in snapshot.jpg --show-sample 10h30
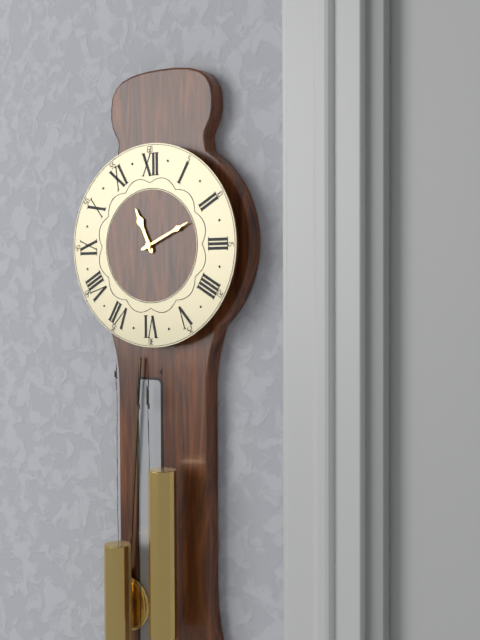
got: 11h11
